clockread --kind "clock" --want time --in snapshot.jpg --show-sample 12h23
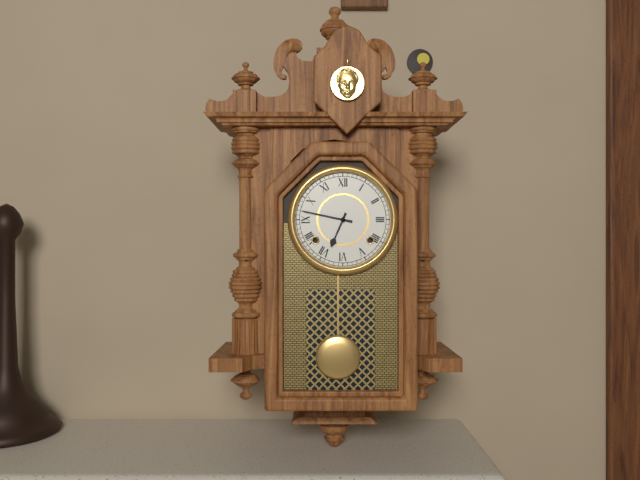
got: 6h47
